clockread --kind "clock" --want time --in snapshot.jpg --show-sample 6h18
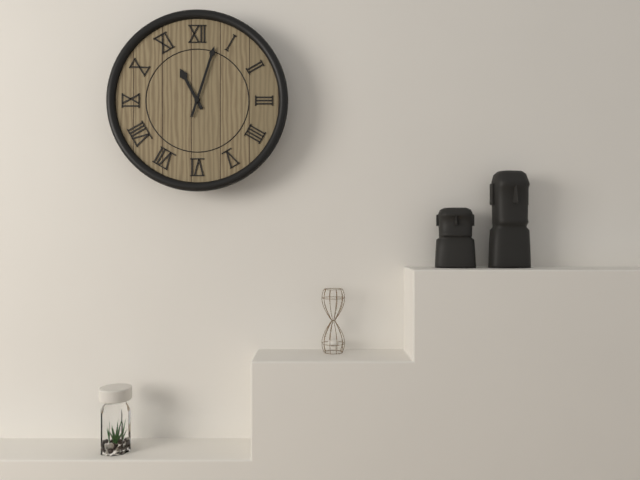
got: 11h03
